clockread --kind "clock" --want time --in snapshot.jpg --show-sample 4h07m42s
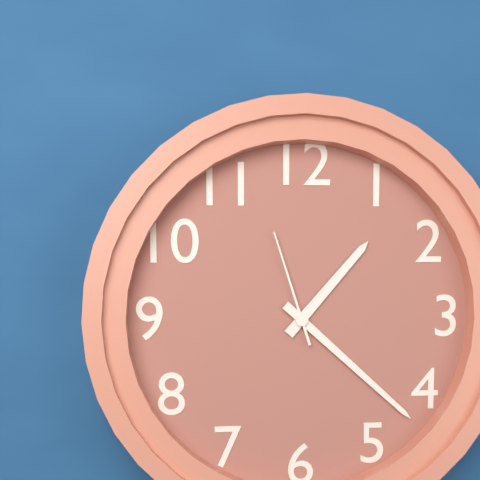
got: 1h22m57s
